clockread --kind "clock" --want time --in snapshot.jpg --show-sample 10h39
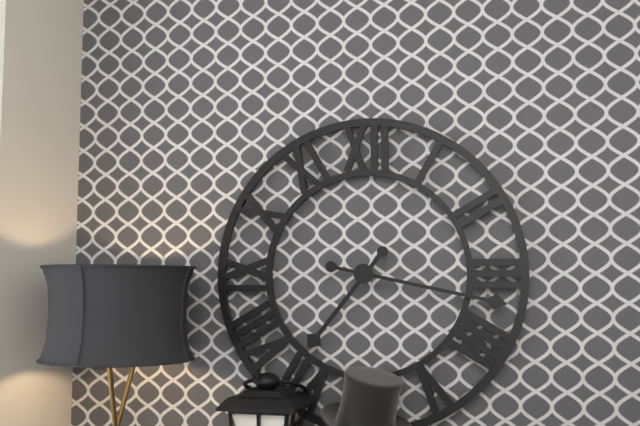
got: 7h17
